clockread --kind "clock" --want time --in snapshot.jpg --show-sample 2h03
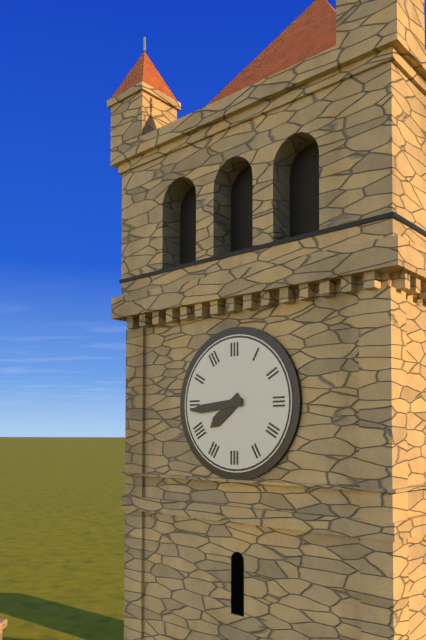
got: 7h44
